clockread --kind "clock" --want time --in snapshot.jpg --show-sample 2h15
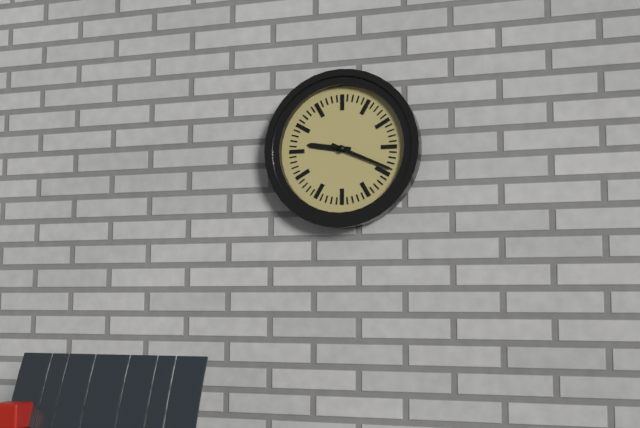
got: 9h19
